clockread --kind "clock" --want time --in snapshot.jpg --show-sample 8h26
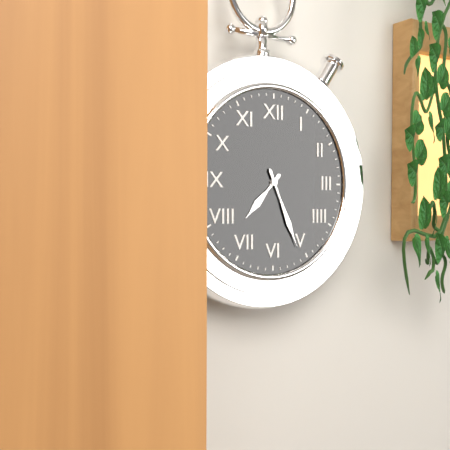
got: 7h26
